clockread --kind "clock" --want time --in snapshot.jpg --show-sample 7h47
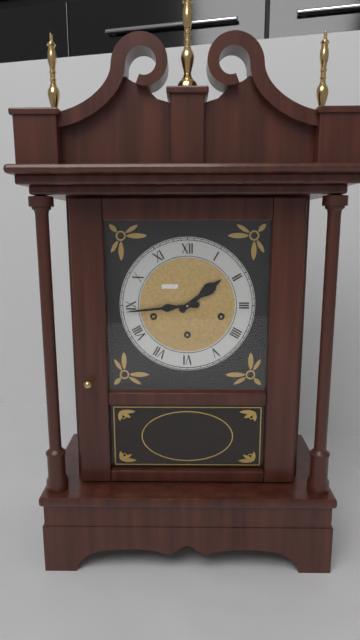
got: 1h44
